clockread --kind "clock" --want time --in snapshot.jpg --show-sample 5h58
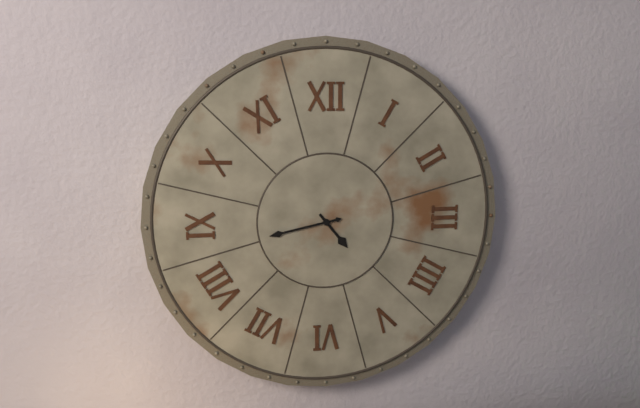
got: 4h43
